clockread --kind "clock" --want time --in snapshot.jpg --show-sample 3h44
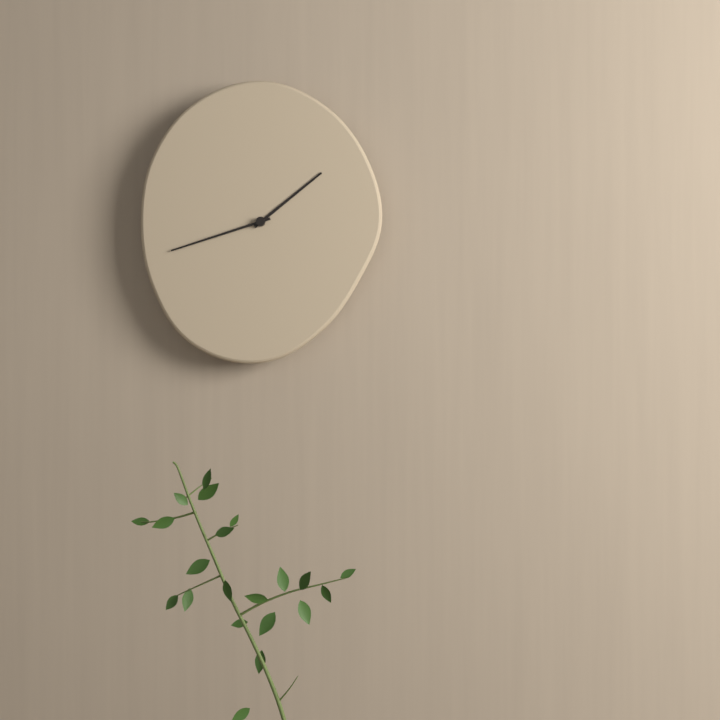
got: 1h42
